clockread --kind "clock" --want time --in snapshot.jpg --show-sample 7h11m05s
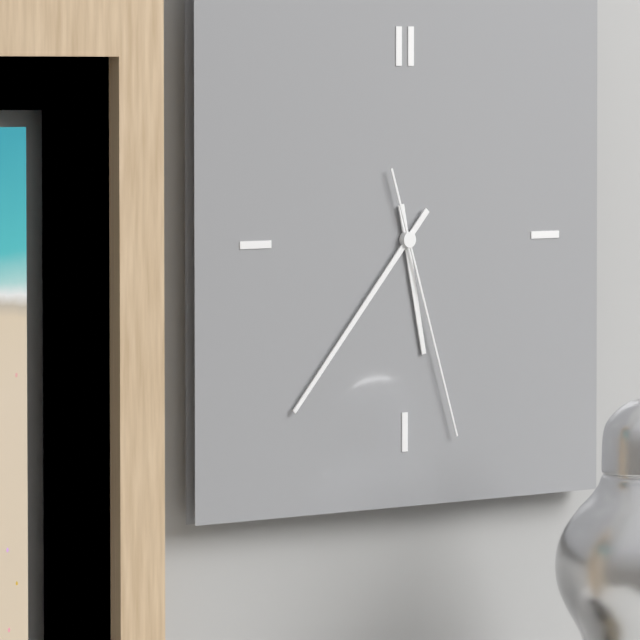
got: 5h37m27s
